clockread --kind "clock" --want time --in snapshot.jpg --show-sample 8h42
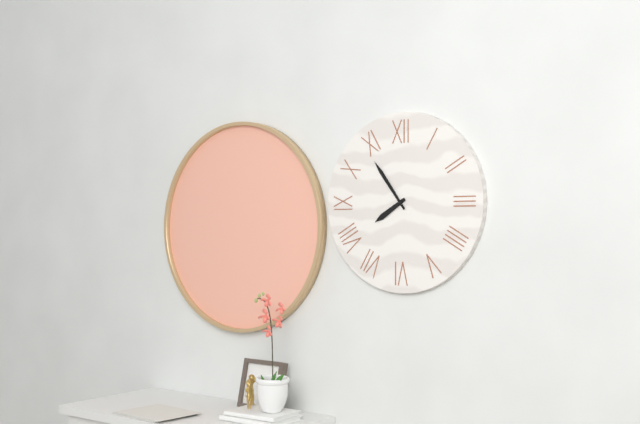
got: 7h54
